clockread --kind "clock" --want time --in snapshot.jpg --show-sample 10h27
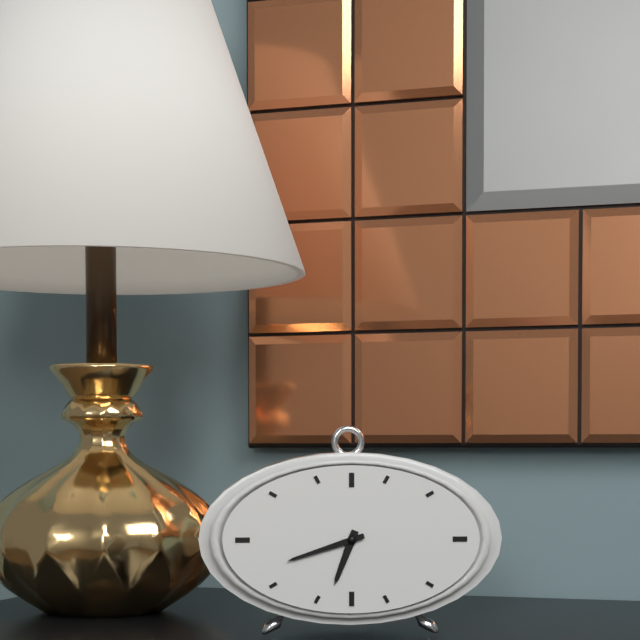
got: 6h42
